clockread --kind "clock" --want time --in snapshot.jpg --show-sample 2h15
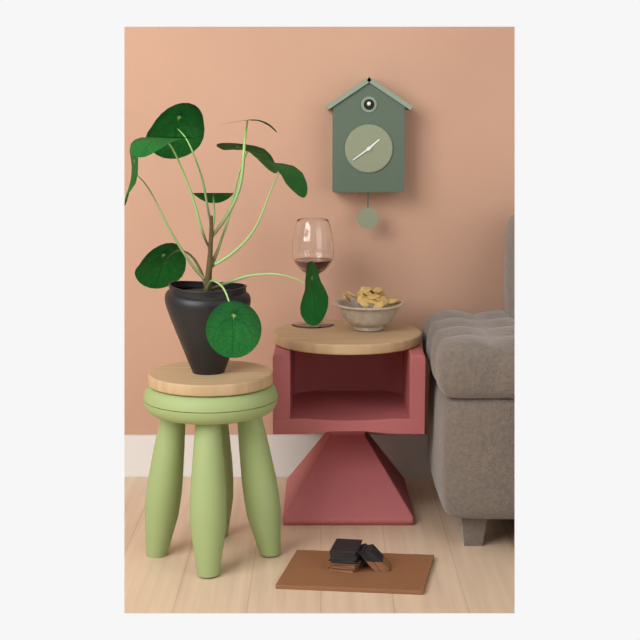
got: 1h39
